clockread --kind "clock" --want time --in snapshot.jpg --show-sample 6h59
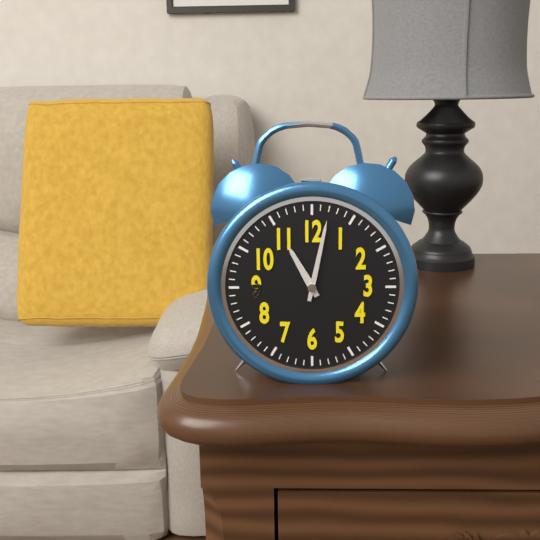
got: 11h02
